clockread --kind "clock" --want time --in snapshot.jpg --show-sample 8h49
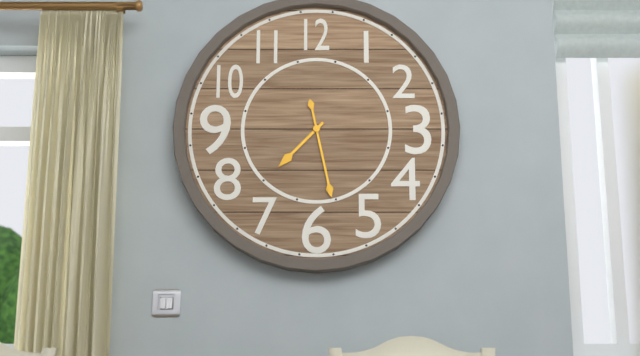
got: 7h28
